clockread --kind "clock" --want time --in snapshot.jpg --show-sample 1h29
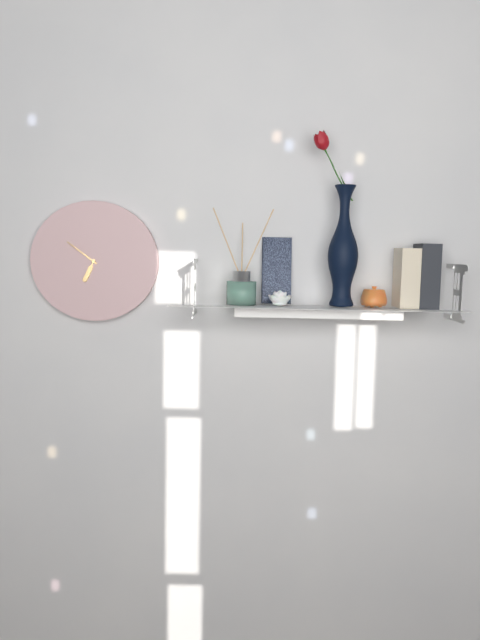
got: 6h51
